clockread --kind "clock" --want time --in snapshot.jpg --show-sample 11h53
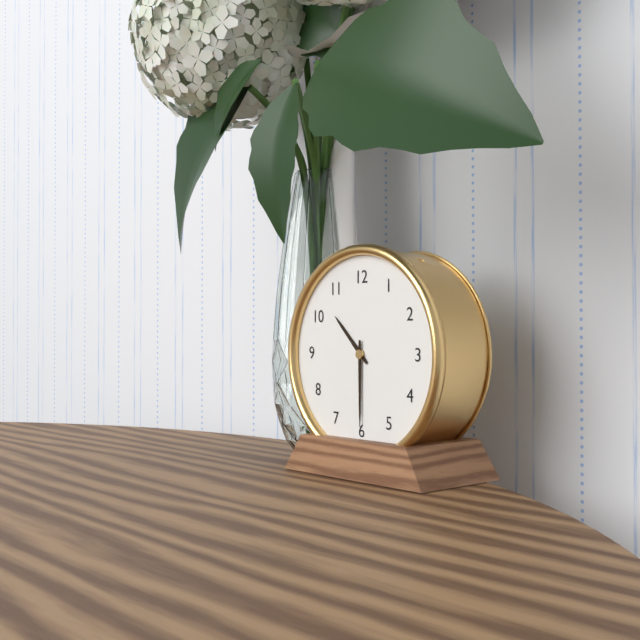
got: 10h30
